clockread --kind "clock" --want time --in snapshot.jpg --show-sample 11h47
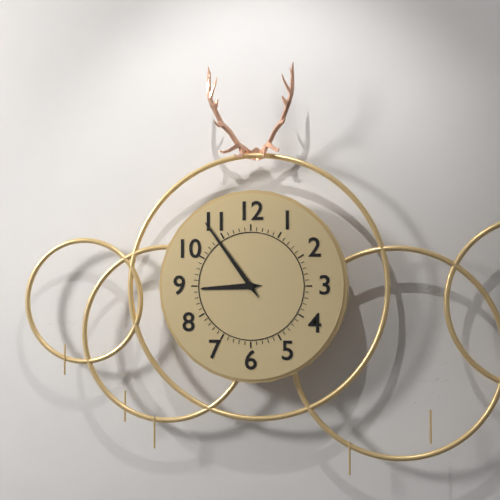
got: 8h54
